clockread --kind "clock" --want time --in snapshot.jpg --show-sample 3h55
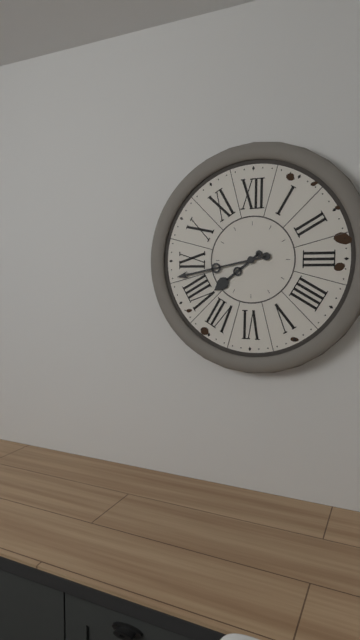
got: 7h43
